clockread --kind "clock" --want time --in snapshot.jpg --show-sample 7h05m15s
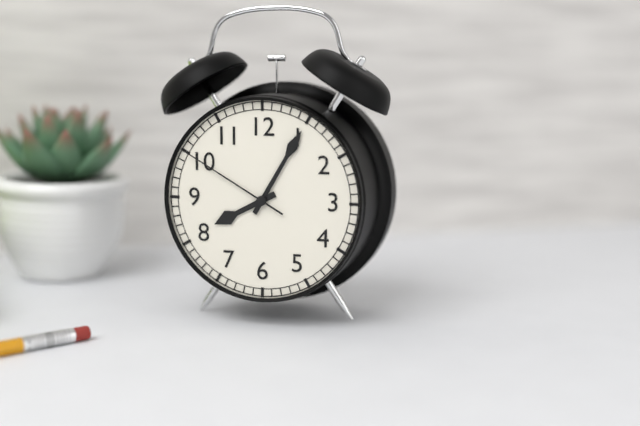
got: 8h05m50s
